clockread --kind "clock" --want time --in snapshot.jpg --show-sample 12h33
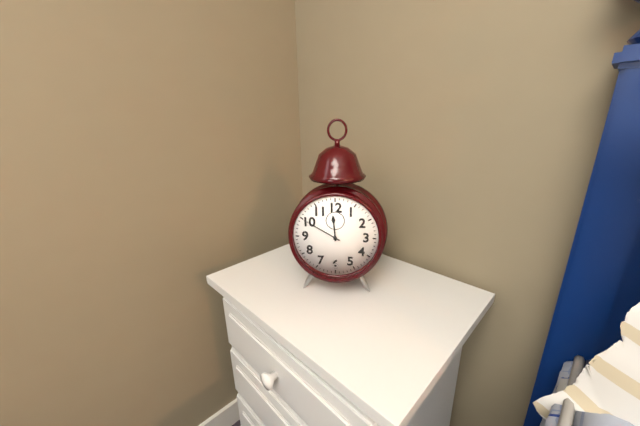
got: 11h50
